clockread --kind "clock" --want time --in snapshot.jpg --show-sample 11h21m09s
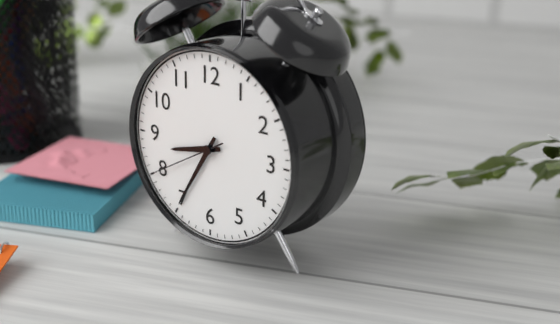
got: 8h35m40s
